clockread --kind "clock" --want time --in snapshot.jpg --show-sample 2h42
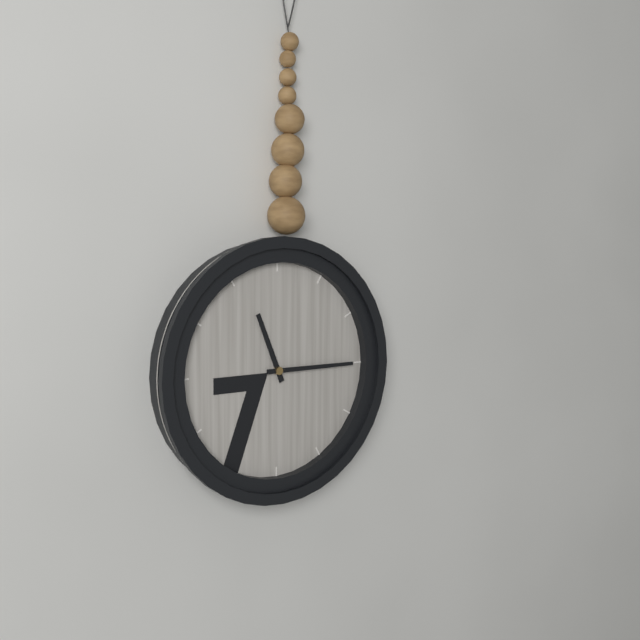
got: 11h15
